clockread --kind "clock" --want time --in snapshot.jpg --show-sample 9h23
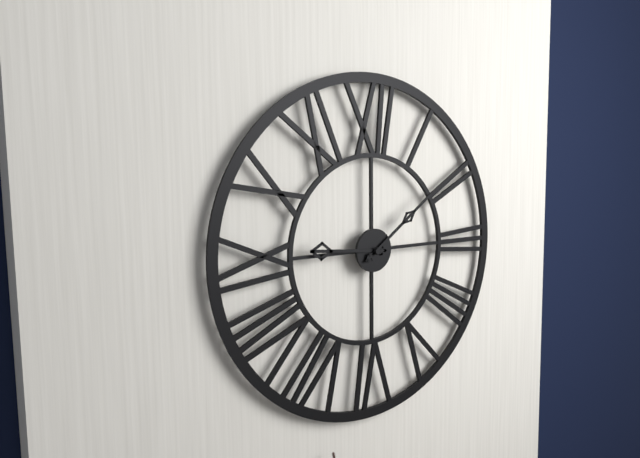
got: 9h09
